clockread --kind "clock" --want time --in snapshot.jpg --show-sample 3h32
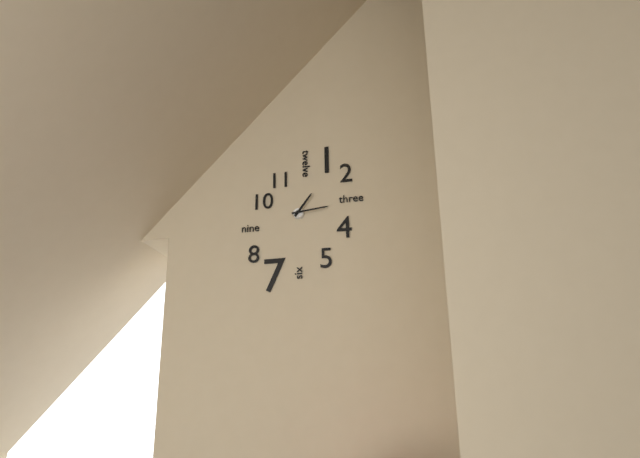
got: 1h14
